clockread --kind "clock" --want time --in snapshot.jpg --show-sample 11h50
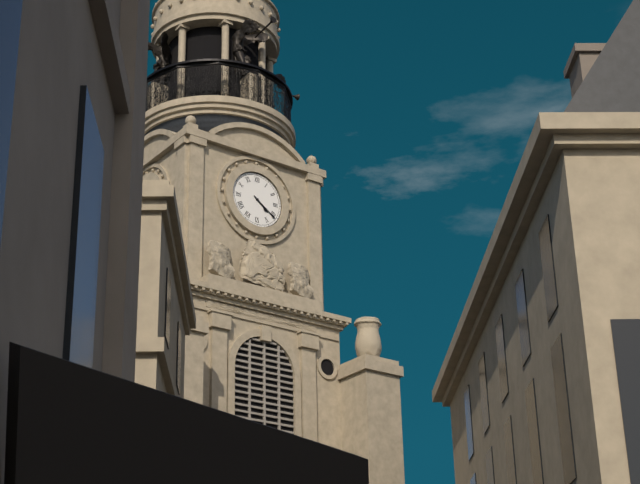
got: 4h21
